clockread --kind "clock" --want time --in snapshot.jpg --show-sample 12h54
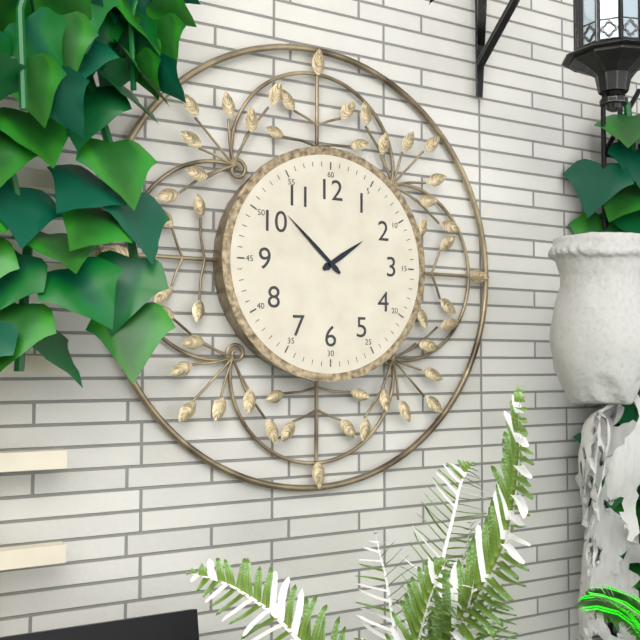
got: 1h52
